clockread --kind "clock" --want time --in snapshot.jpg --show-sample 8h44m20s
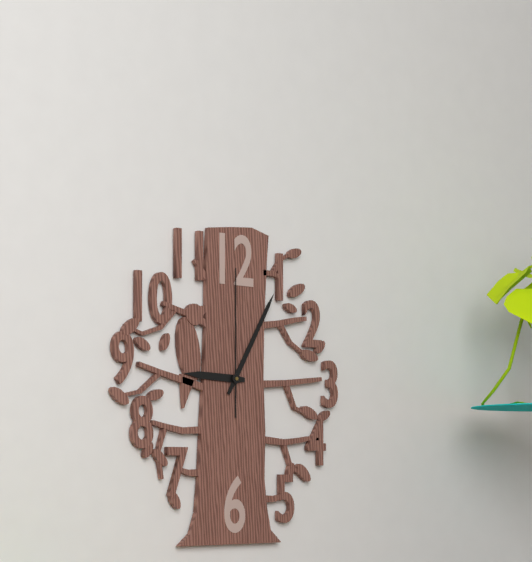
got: 9h05m00s
